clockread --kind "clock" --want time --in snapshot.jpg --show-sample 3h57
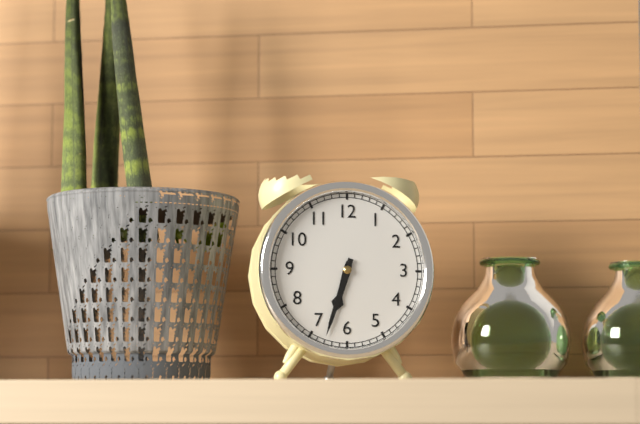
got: 6h33
